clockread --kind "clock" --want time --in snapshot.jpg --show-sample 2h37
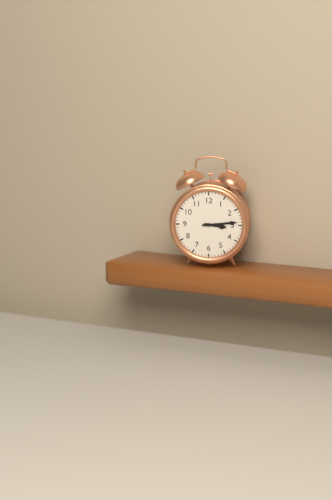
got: 3h14
